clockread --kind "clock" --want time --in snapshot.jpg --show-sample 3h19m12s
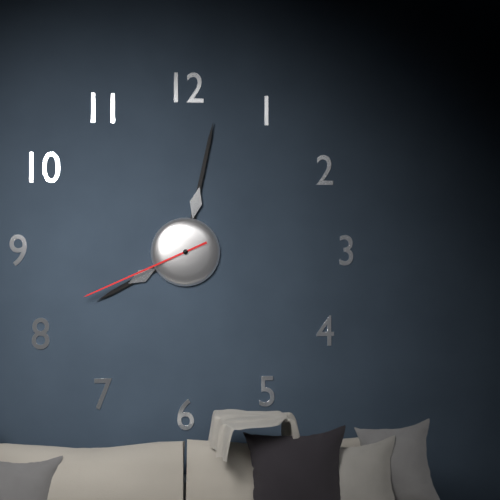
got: 8h02m41s
